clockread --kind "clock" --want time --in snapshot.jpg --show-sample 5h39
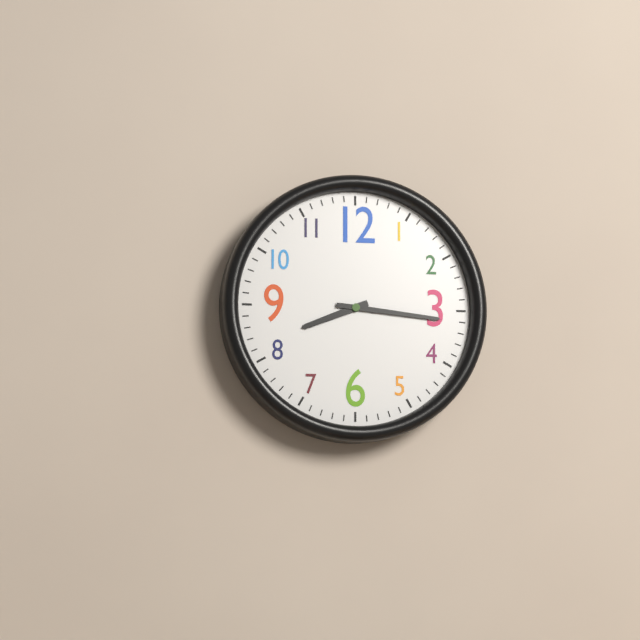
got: 8h16
